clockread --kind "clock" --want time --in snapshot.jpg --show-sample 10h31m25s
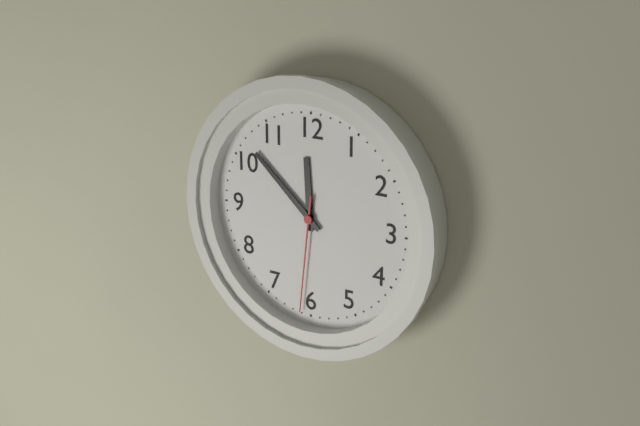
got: 11h52m31s
